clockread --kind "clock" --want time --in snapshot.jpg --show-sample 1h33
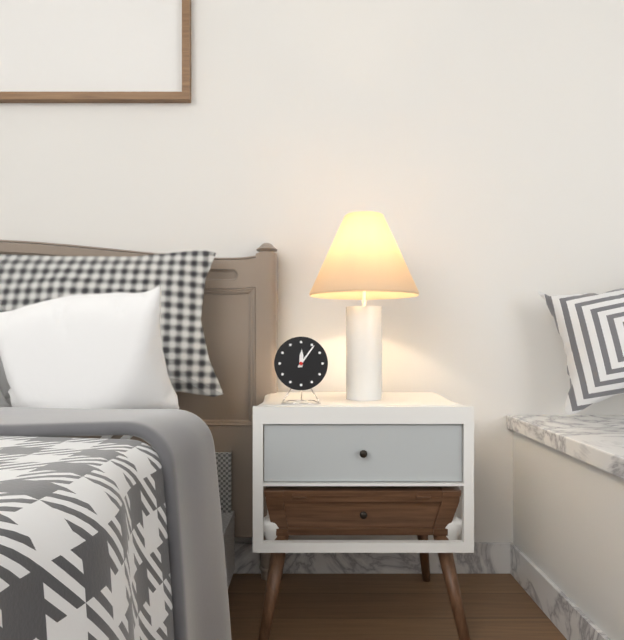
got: 12h06
